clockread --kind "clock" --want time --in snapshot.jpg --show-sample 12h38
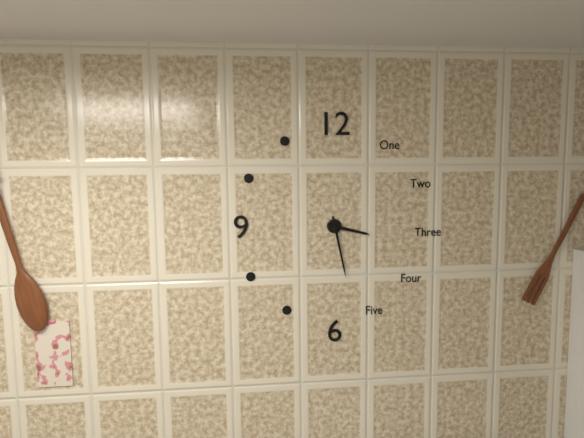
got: 3h28
